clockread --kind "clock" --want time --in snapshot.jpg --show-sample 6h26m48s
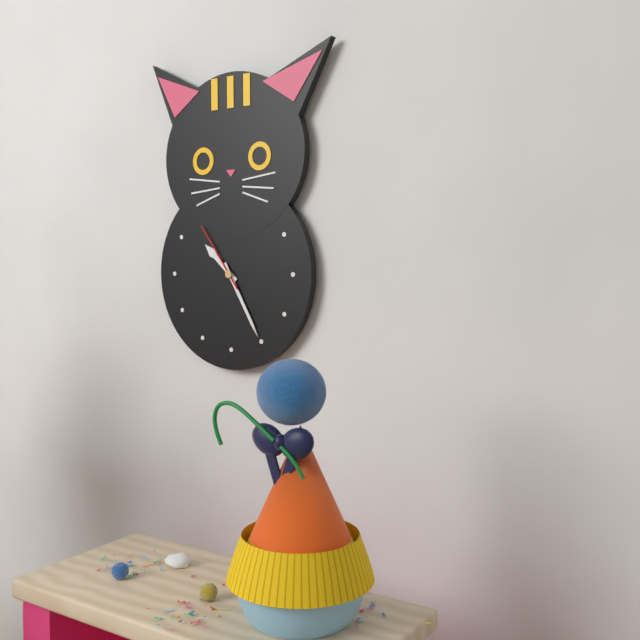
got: 10h25m54s
